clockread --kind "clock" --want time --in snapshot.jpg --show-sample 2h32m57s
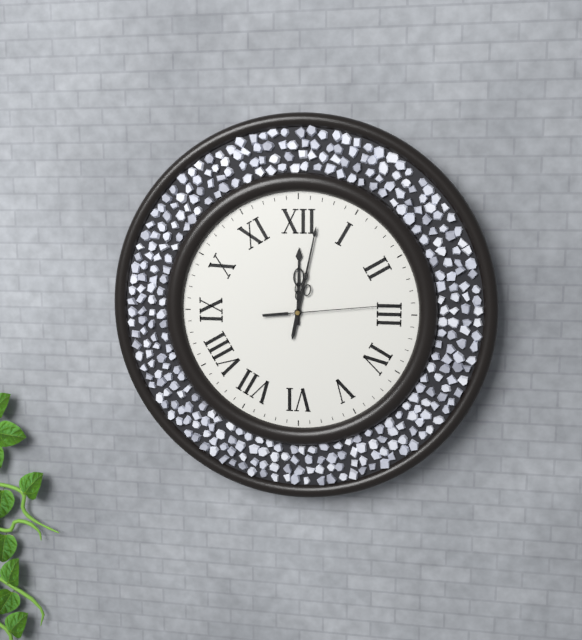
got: 12h02m14s
